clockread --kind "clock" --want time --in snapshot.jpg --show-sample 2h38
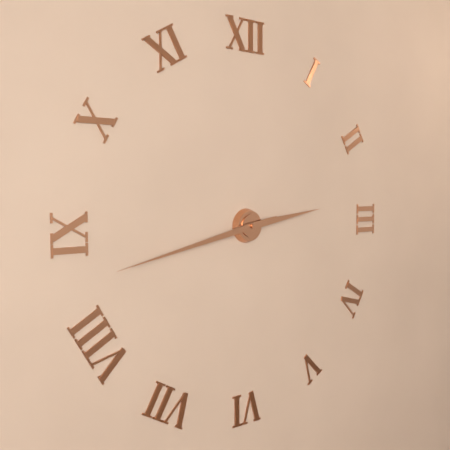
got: 2h43
